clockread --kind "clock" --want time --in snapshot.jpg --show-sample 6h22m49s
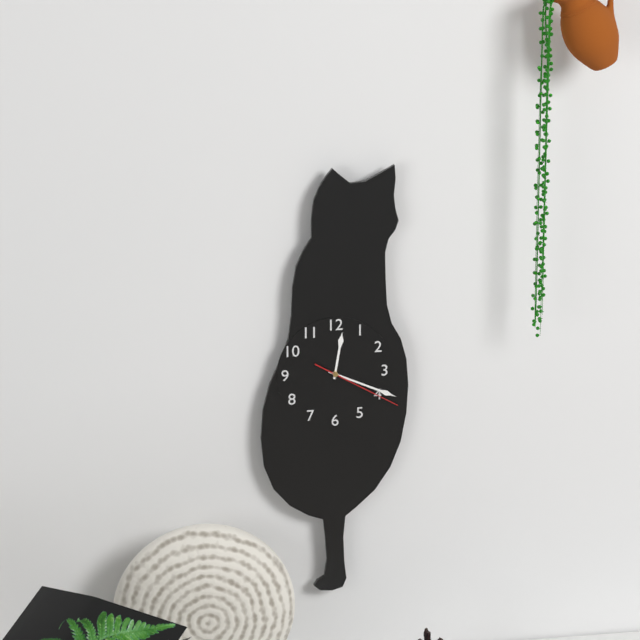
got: 12h19m20s
